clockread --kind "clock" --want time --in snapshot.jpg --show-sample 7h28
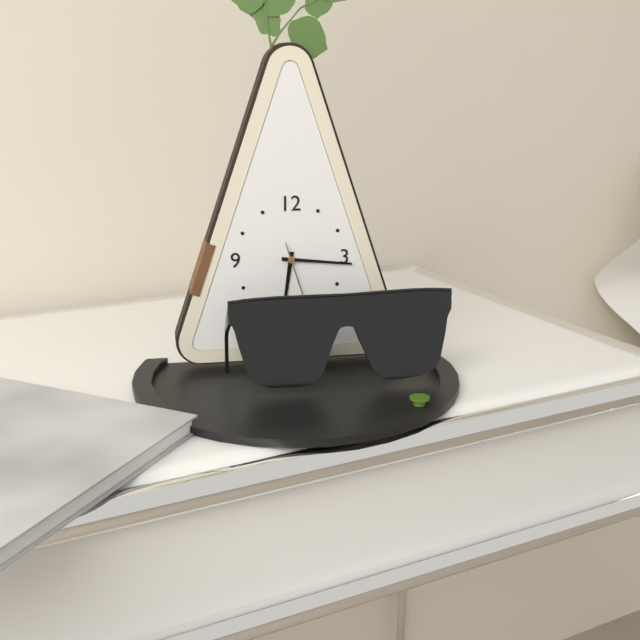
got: 6h16
